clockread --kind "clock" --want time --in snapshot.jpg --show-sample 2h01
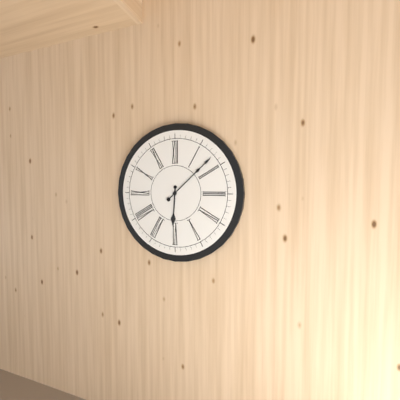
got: 6h08
